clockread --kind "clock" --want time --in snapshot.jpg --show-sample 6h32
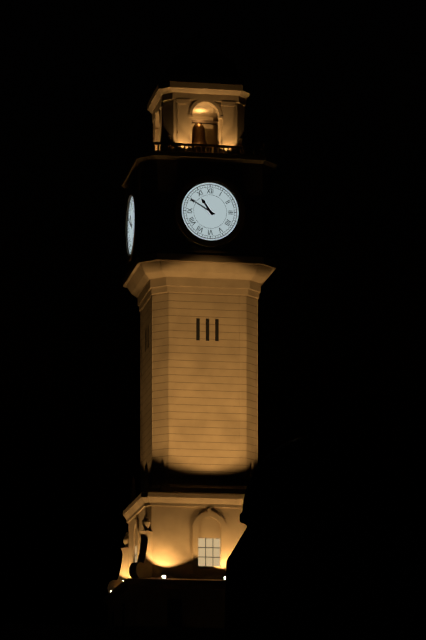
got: 10h50
